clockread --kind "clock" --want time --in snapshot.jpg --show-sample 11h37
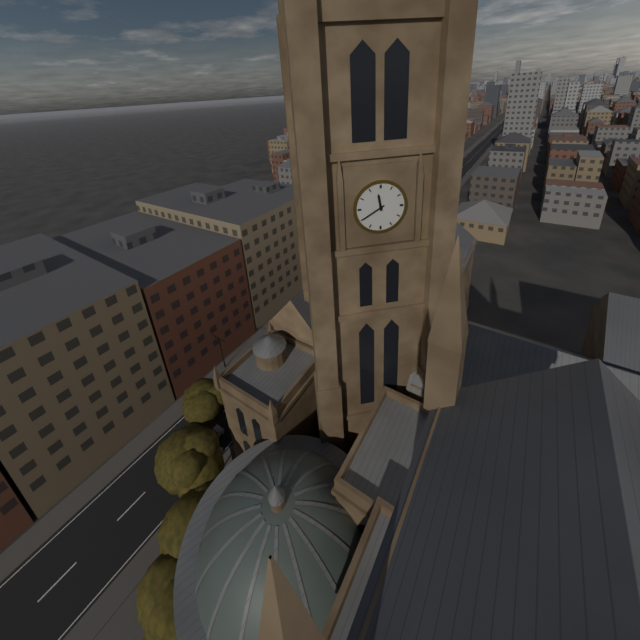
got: 11h40
